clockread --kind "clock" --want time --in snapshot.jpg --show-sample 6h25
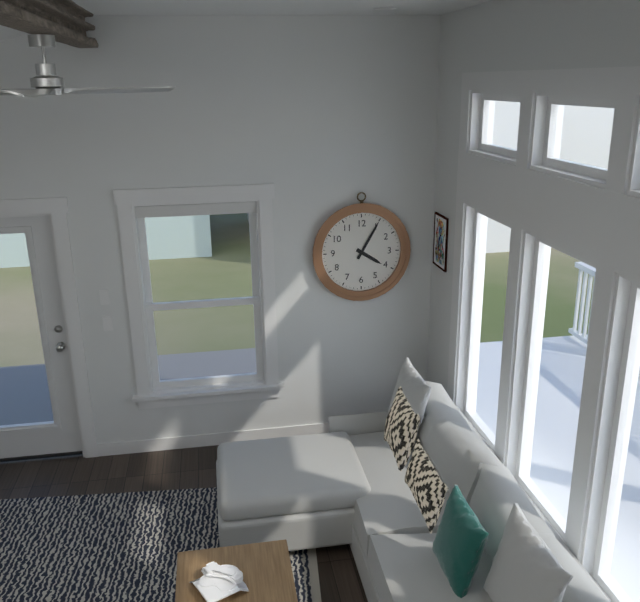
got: 4h05
